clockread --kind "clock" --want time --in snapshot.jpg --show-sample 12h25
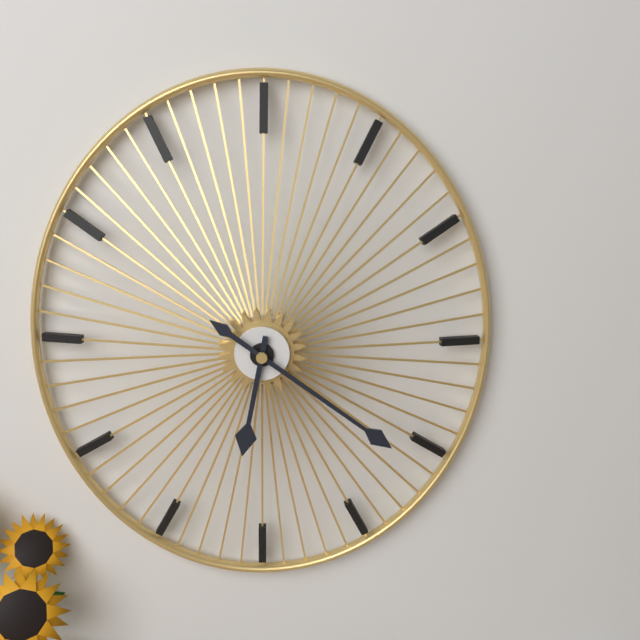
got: 6h21
